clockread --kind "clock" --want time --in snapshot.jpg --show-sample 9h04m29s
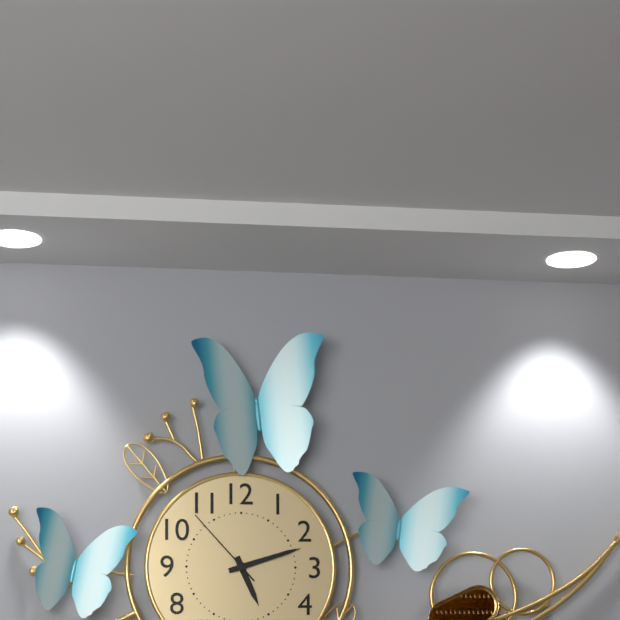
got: 5h12m53s
